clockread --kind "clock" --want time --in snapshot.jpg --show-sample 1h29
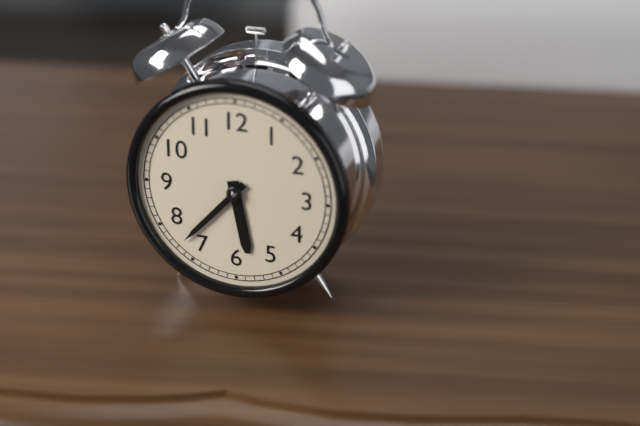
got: 5h37
